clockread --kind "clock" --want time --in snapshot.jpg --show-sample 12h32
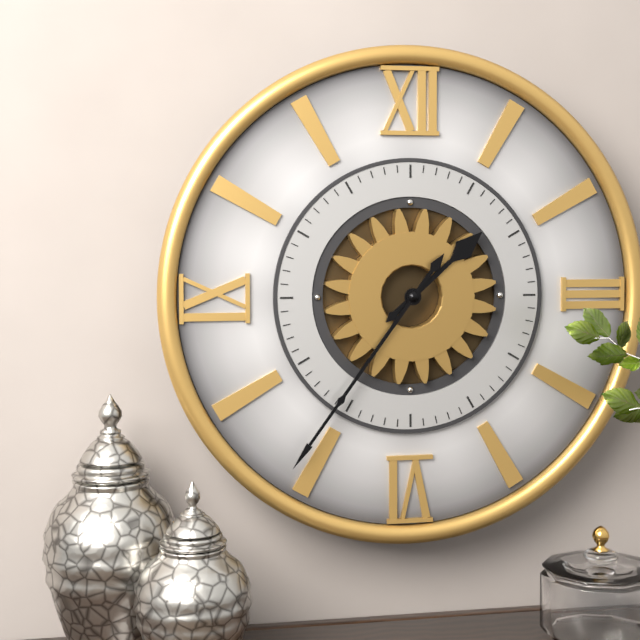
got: 1h36
